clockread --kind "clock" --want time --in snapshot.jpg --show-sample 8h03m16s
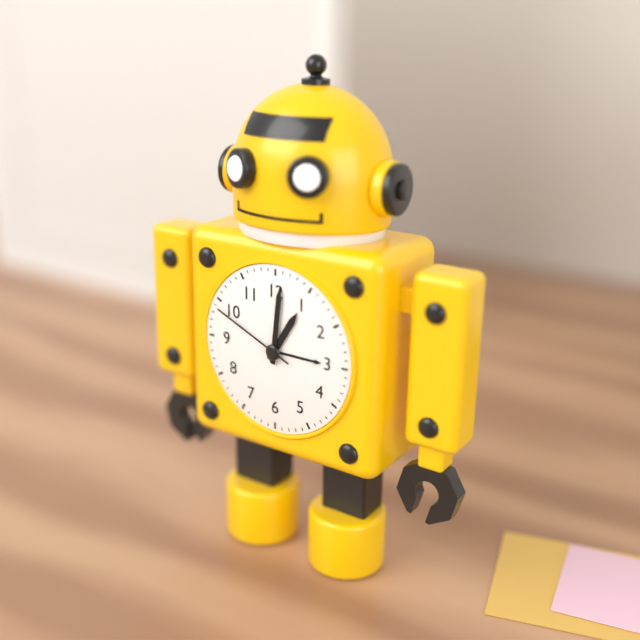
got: 1h01m49s
